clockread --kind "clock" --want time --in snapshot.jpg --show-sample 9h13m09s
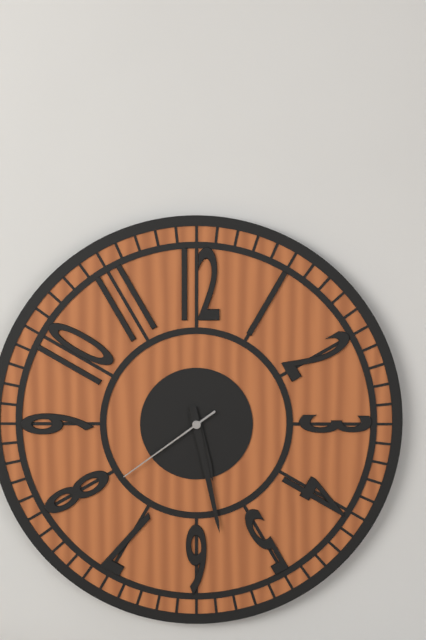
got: 5h28m39s
